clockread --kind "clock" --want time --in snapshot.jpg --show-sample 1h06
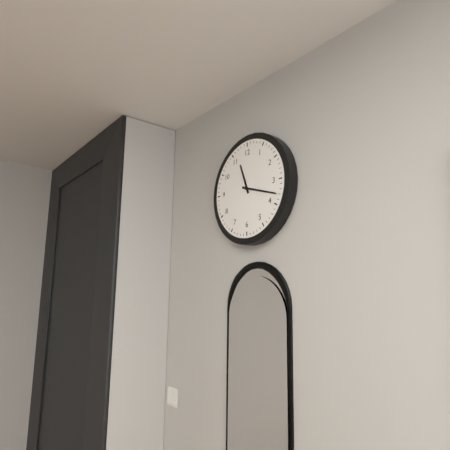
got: 11h18
